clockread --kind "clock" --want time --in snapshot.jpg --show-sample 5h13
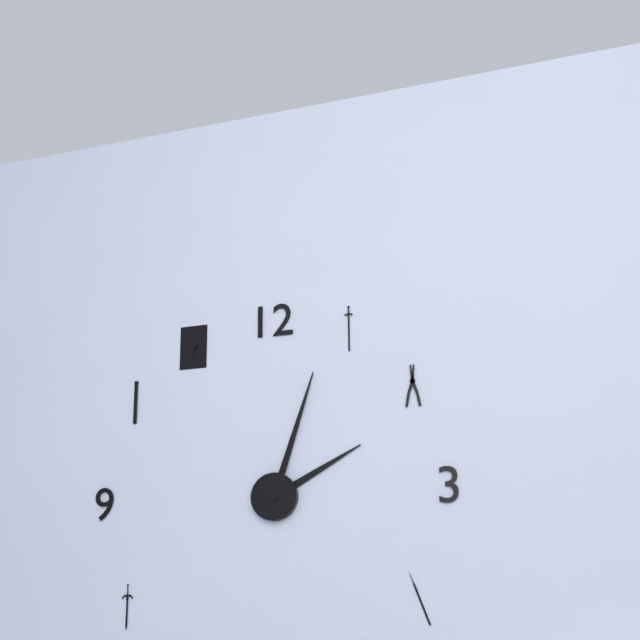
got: 2h03
